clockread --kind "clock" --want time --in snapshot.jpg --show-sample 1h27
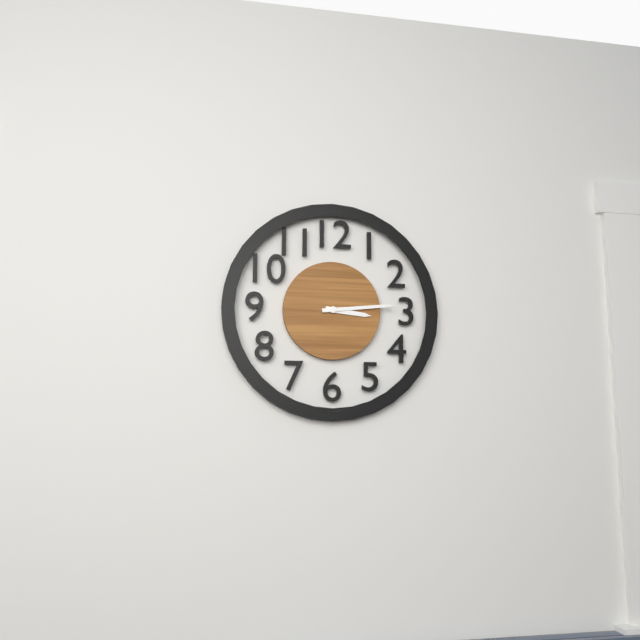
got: 3h14
